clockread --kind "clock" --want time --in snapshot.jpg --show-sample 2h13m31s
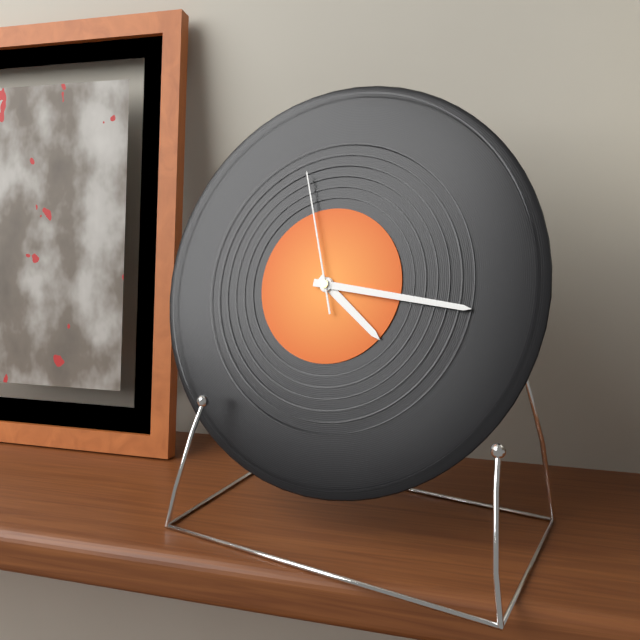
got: 4h16m57s
